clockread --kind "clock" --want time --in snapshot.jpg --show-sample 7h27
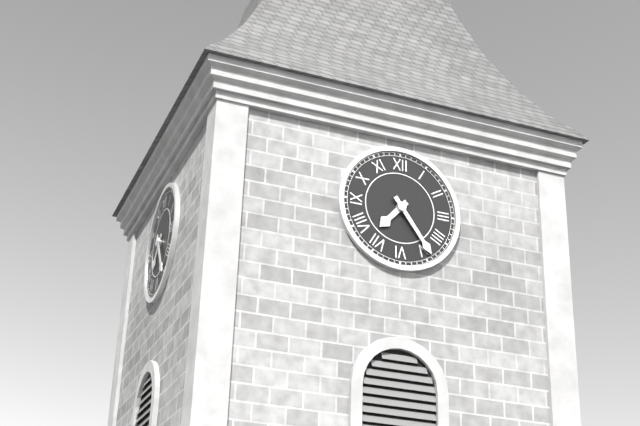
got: 7h24
